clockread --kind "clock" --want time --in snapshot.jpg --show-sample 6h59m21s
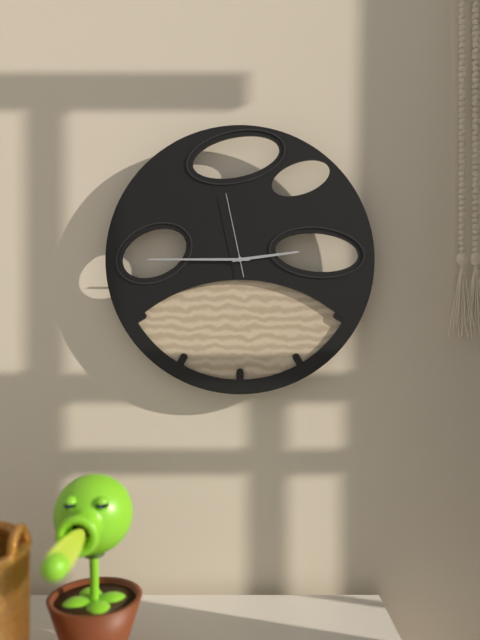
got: 2h45m58s
